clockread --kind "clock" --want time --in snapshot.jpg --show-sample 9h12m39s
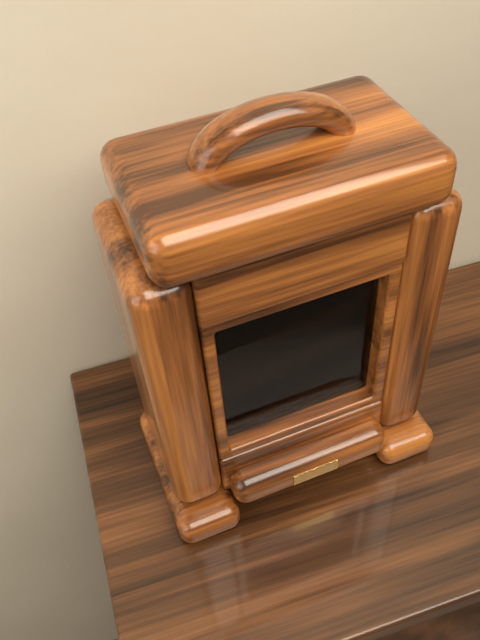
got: 5h34m50s
